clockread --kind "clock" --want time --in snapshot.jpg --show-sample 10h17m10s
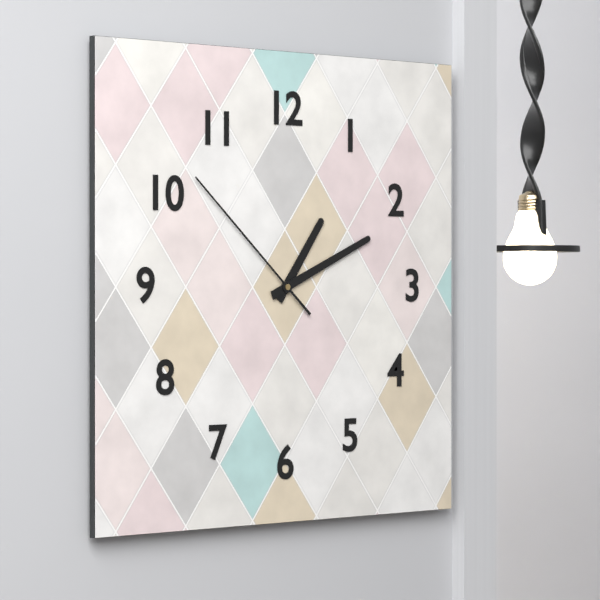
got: 1h11m52s
